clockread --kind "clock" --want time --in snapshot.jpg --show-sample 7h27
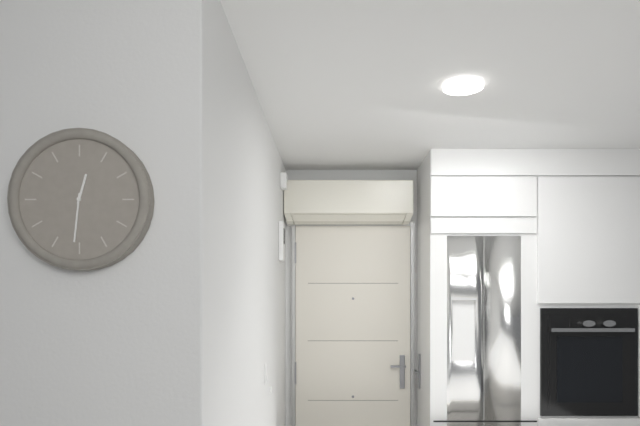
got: 12h31
